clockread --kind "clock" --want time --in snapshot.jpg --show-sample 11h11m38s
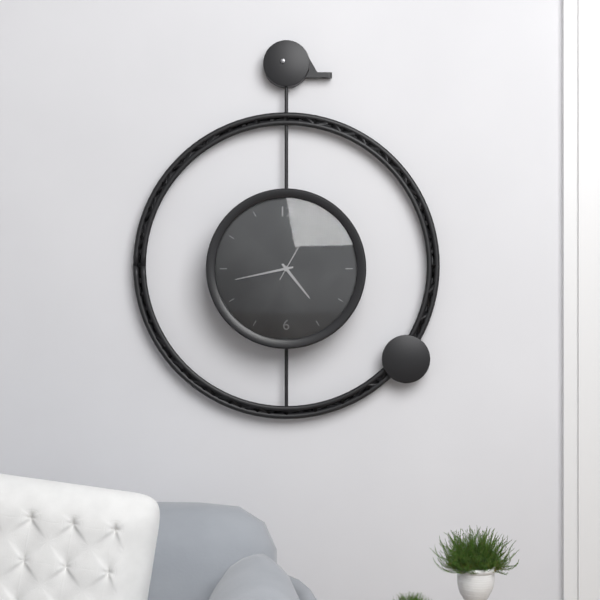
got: 4h43m05s
